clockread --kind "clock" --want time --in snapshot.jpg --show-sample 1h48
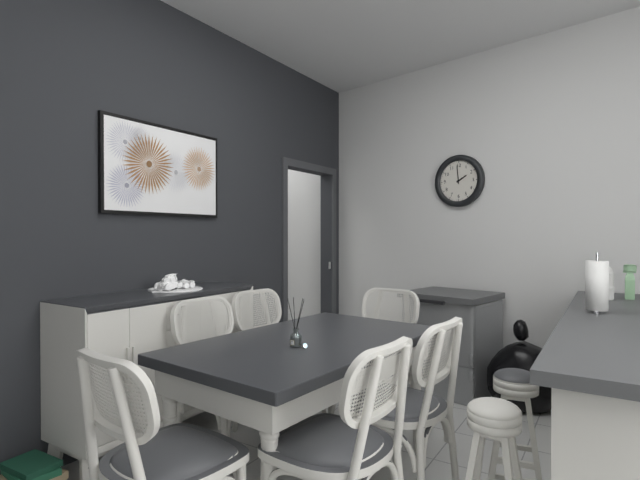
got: 1h59
